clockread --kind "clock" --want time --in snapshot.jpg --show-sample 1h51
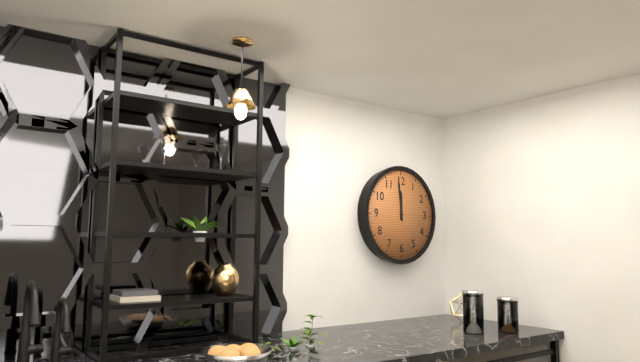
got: 11h59
